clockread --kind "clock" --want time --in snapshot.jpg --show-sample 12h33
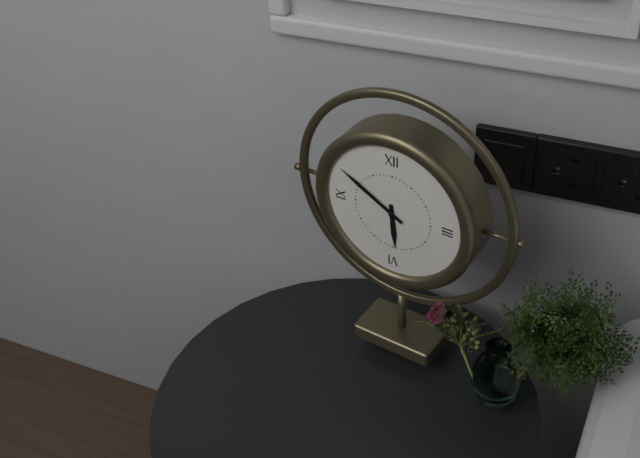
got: 5h50
